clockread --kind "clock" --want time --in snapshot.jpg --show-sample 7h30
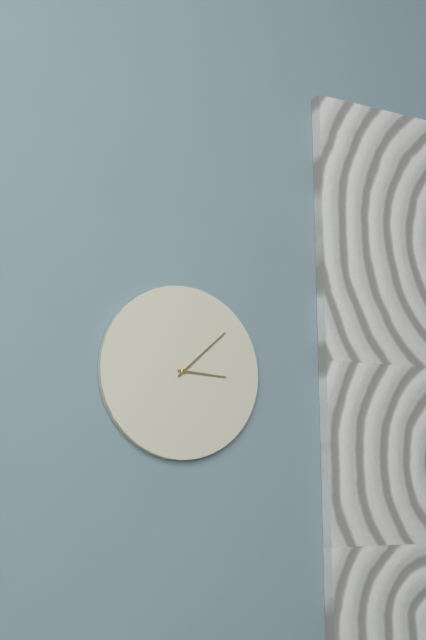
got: 3h08
